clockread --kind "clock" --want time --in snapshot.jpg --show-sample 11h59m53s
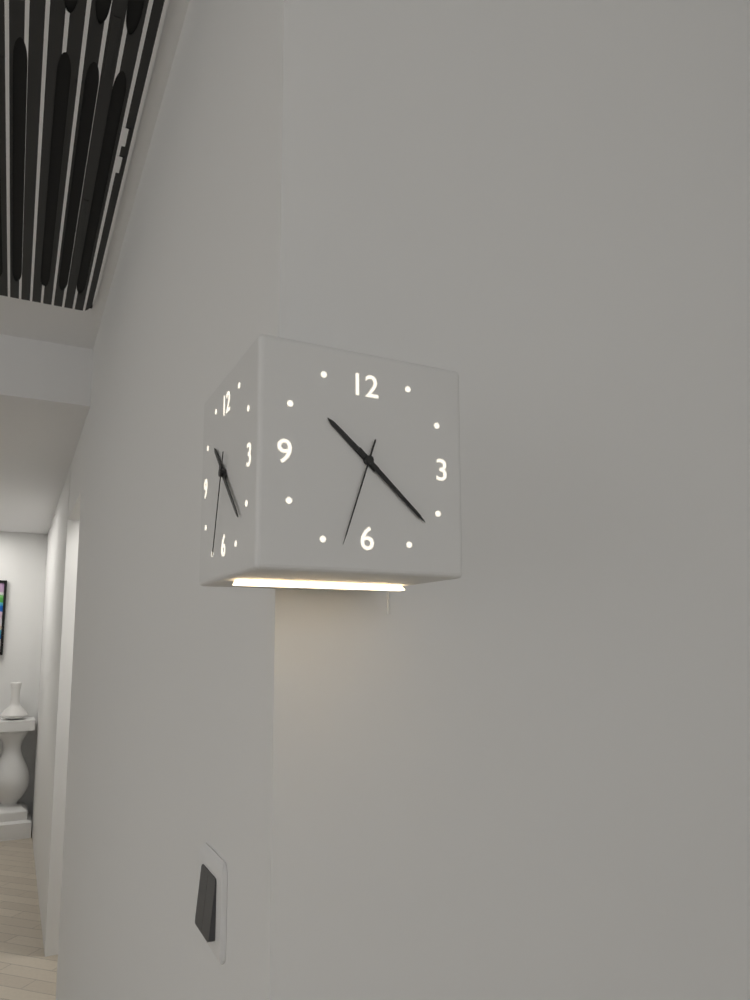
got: 10h22m33s
